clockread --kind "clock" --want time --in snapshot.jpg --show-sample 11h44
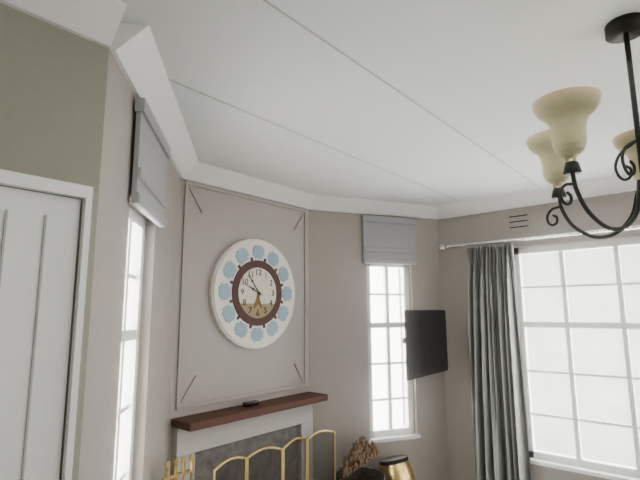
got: 9h54
